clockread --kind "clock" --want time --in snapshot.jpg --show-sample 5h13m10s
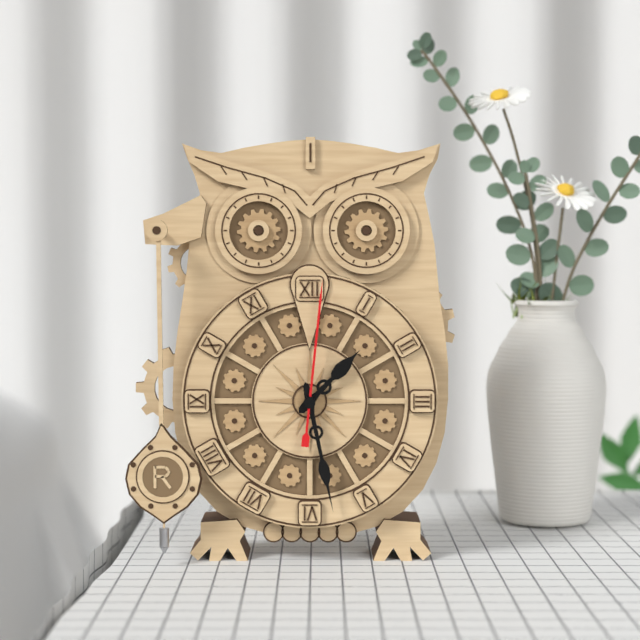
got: 1h28m01s
